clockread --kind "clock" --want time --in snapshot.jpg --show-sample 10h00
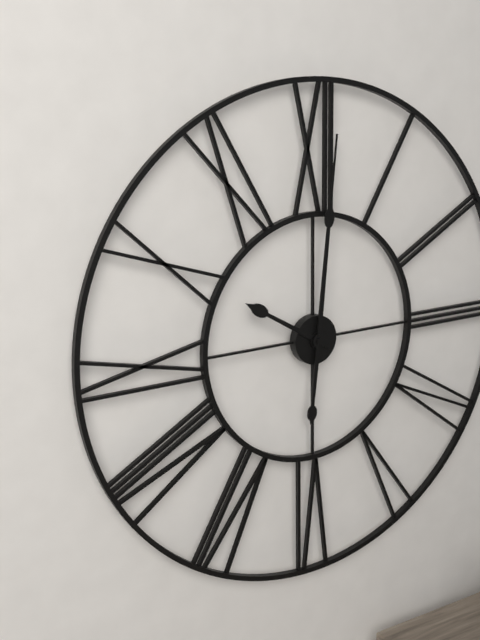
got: 10h01
